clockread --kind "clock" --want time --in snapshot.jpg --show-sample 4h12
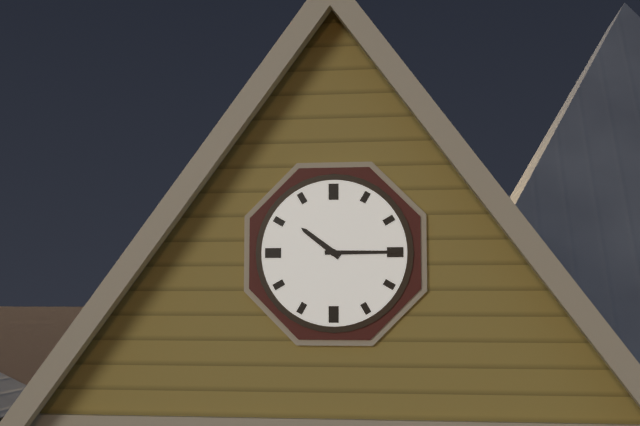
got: 10h15
